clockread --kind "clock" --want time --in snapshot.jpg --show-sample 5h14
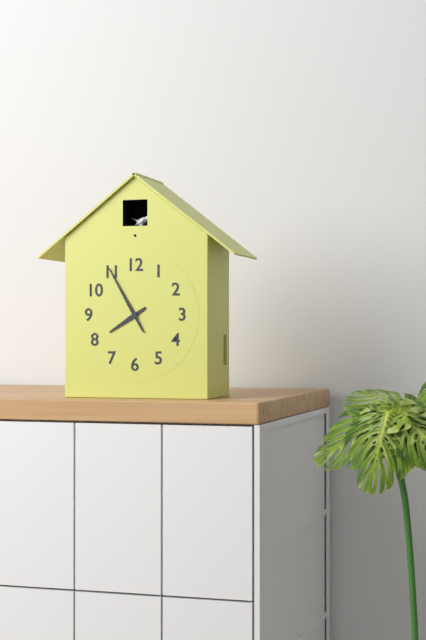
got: 7h55
